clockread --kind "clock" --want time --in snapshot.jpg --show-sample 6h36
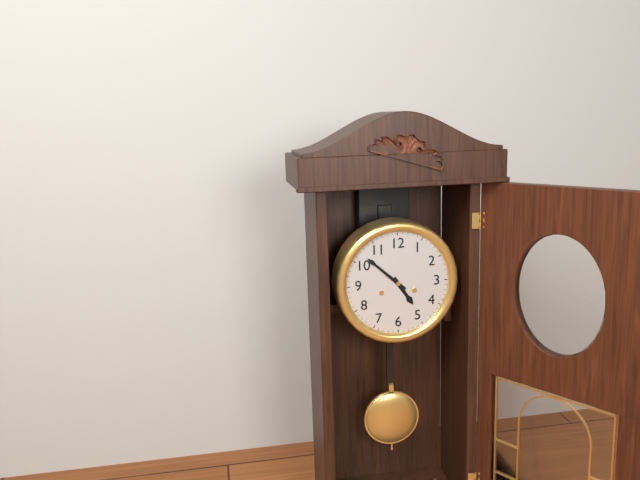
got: 4h52
